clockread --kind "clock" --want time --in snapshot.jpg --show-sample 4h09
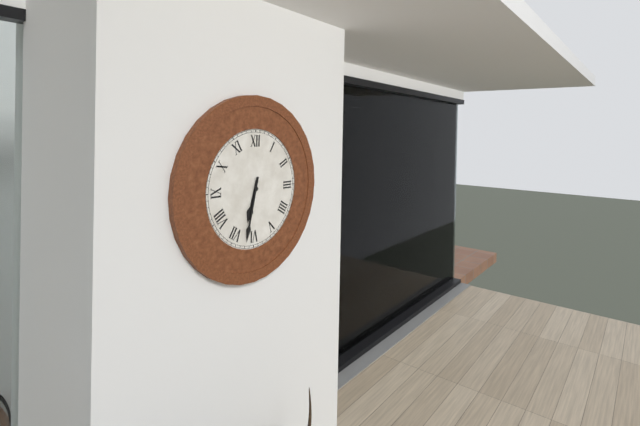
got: 6h32
